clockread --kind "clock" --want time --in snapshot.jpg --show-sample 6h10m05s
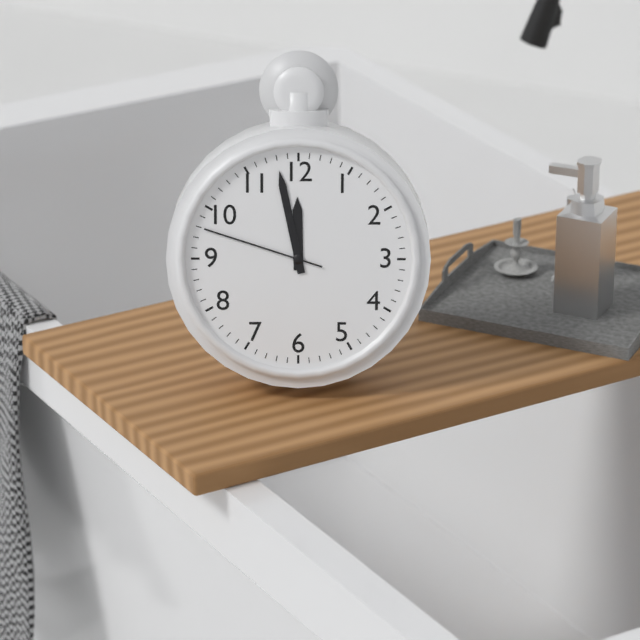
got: 11h58m48s
